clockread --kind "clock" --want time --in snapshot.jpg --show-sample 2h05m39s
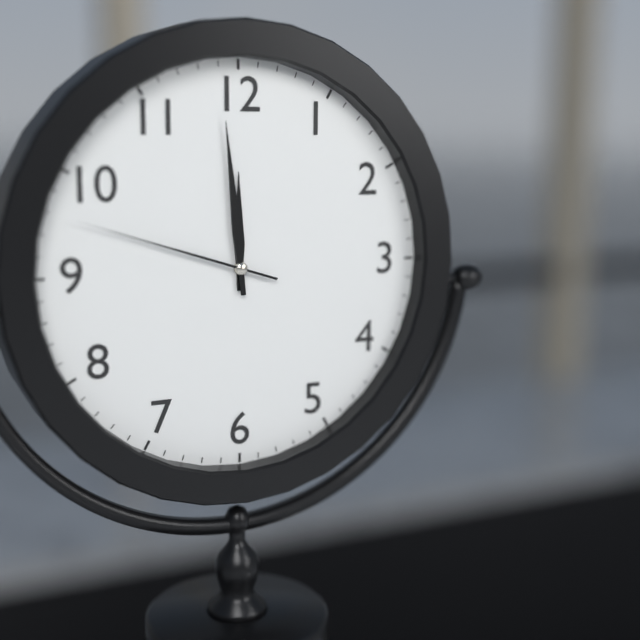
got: 11h59m48s
